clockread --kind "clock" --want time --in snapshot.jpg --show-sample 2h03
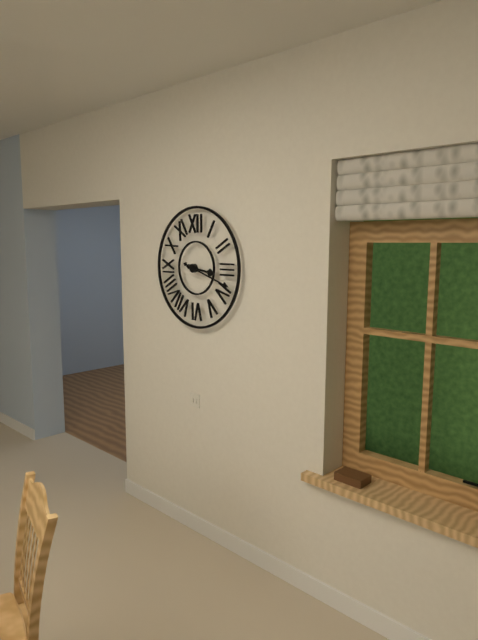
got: 3h18
